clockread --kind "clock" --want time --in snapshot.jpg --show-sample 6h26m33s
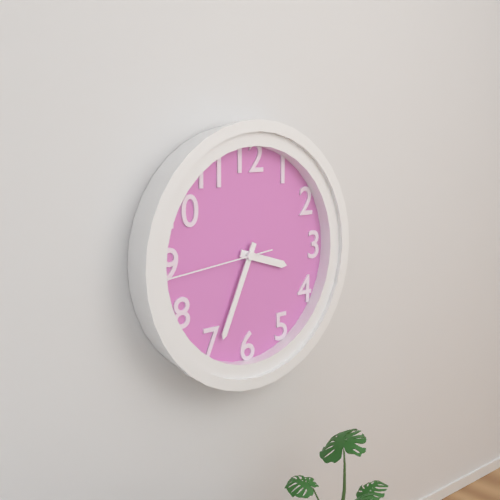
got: 3h34m44s
